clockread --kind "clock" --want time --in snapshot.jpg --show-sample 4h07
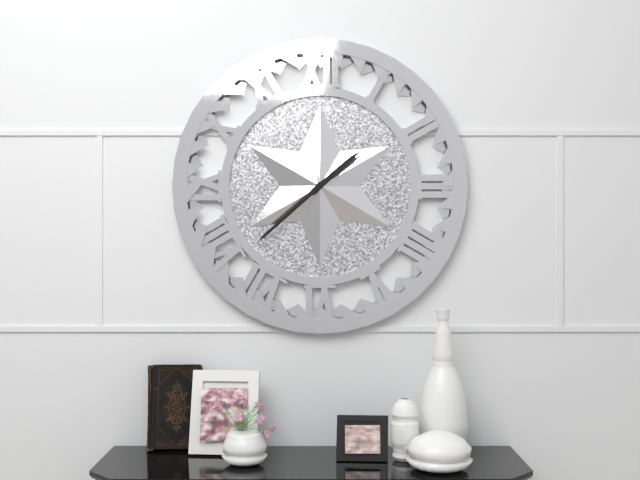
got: 1h38
